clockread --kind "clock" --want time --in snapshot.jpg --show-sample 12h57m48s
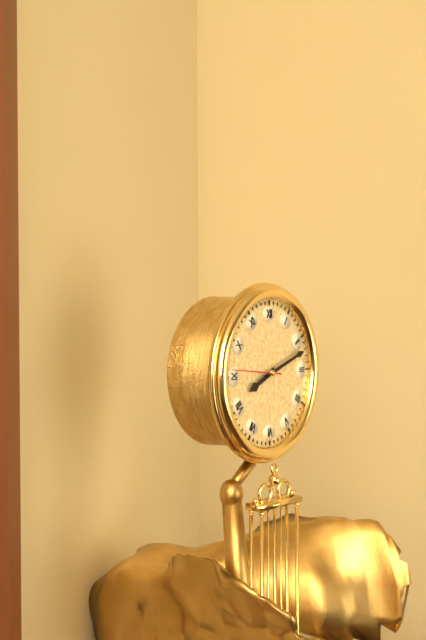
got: 8h12m46s
